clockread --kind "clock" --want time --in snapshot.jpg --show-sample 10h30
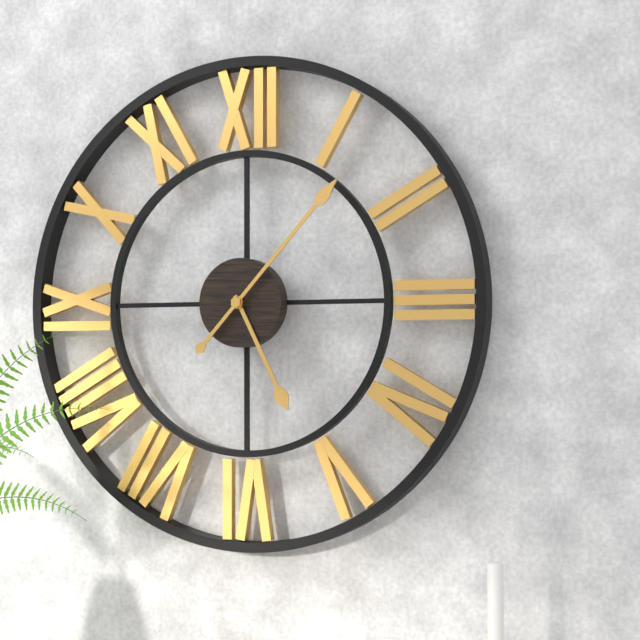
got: 5h07
